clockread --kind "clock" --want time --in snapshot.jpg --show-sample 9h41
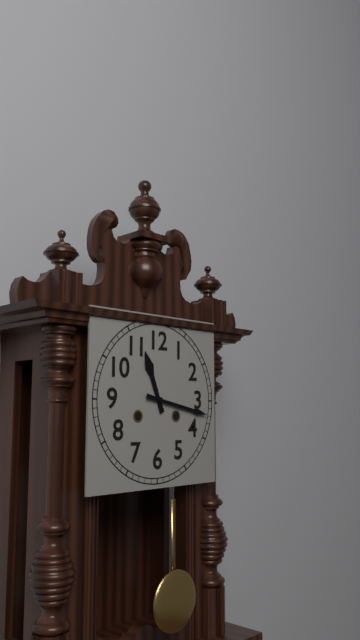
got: 11h17
